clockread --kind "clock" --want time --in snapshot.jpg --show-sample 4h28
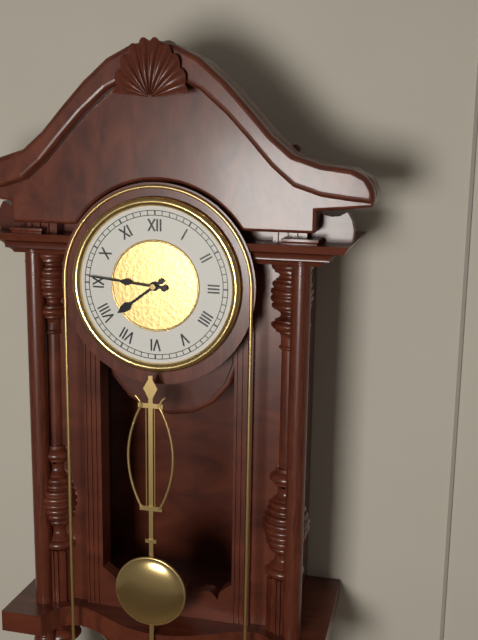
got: 7h46
